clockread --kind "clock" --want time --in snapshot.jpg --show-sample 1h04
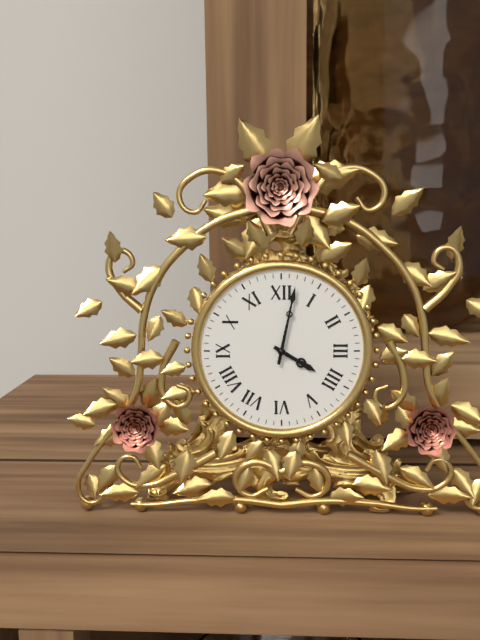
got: 4h02
